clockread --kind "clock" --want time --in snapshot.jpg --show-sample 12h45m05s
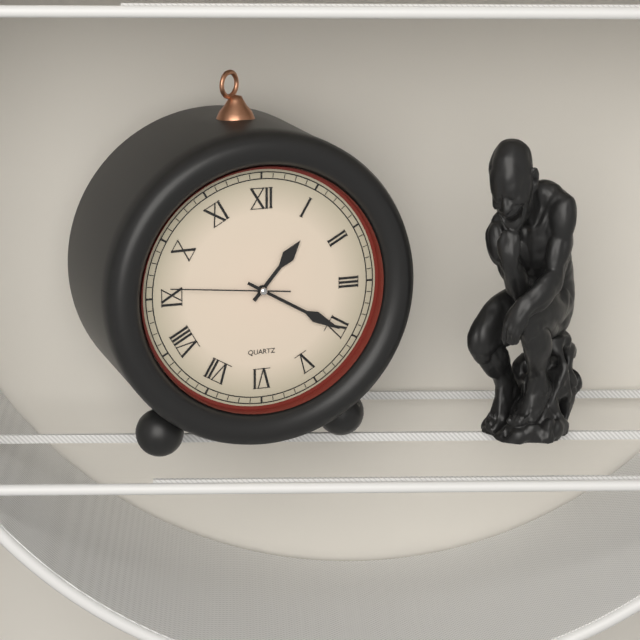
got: 1h20m46s
